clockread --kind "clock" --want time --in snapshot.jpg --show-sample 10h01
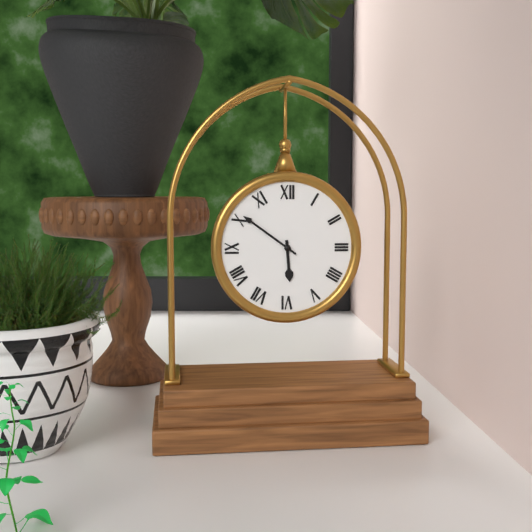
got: 5h51
